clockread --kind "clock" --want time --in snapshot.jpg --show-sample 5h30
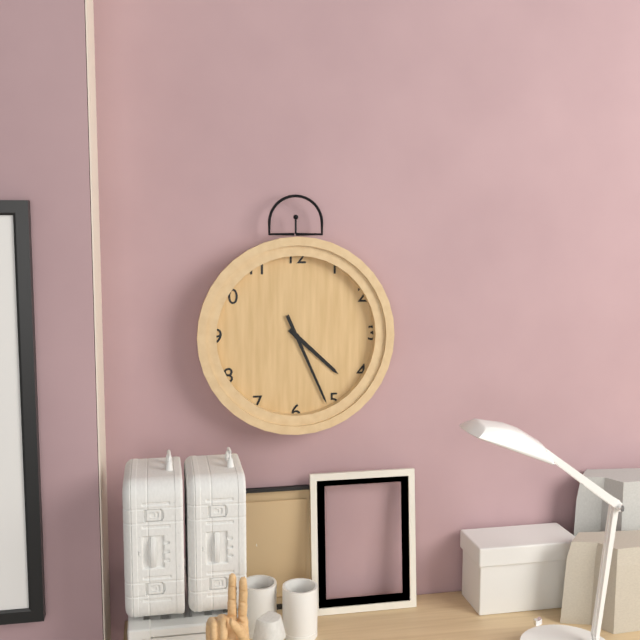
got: 4h26
